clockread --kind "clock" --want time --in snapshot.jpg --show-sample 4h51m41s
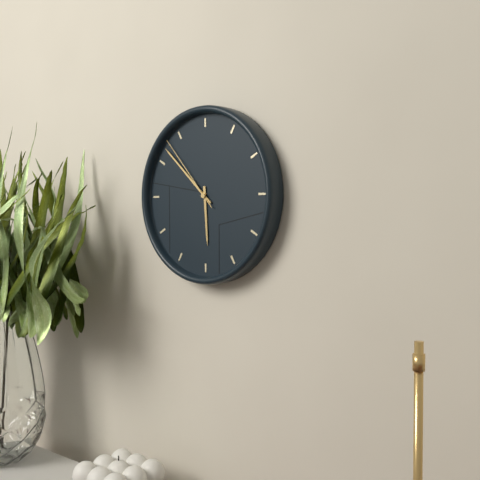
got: 5h52m53s
